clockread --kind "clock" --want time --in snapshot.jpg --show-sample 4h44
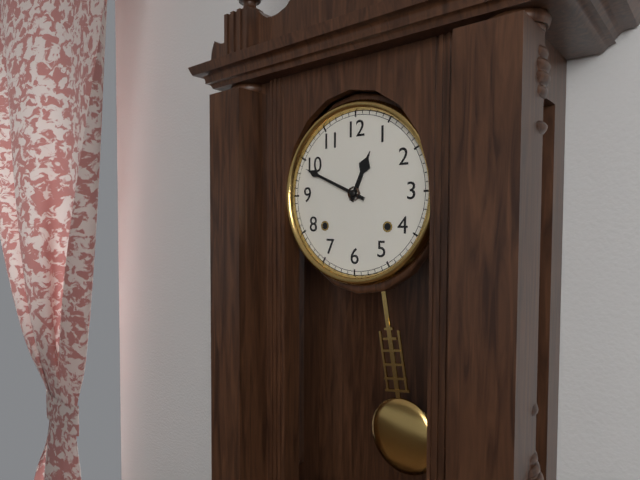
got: 12h49
